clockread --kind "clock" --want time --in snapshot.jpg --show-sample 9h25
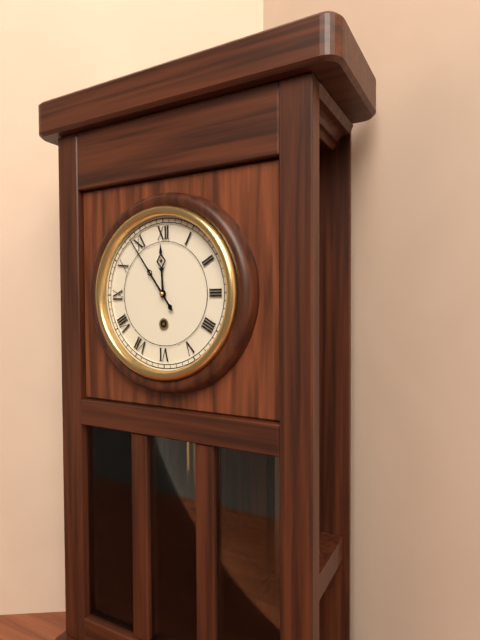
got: 11h54
